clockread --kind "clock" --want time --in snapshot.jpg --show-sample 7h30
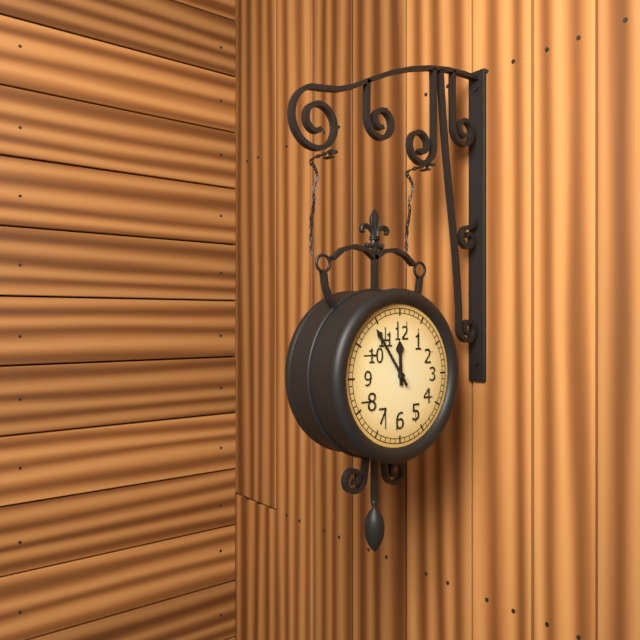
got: 11h54
